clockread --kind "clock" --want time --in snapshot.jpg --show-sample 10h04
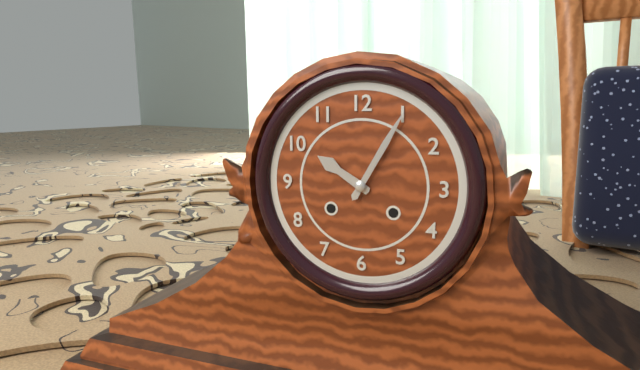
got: 10h05
